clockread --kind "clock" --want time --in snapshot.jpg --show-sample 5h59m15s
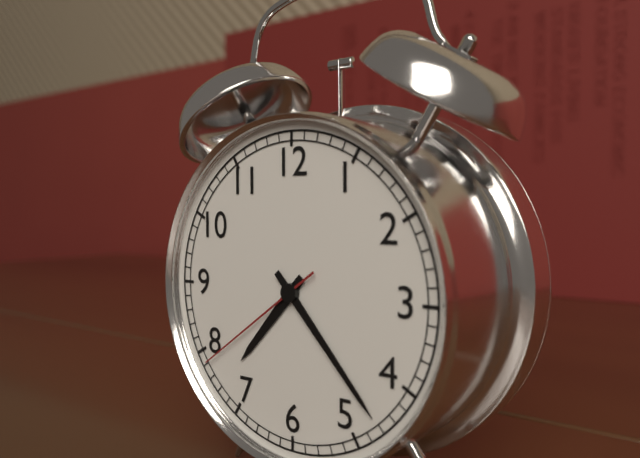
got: 7h23m39s
